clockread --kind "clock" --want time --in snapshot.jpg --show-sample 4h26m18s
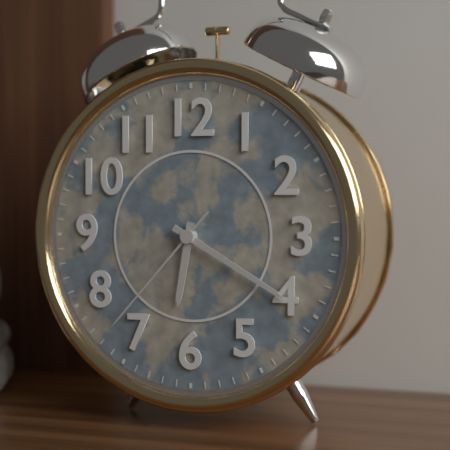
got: 6h20m37s
